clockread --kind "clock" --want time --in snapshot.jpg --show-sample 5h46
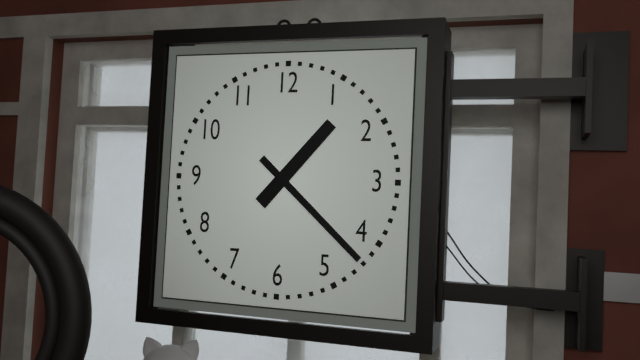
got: 1h22
